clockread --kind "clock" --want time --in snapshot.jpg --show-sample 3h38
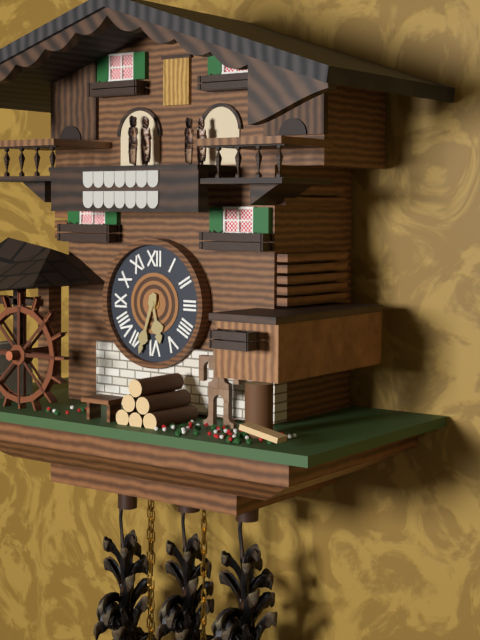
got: 5h33
